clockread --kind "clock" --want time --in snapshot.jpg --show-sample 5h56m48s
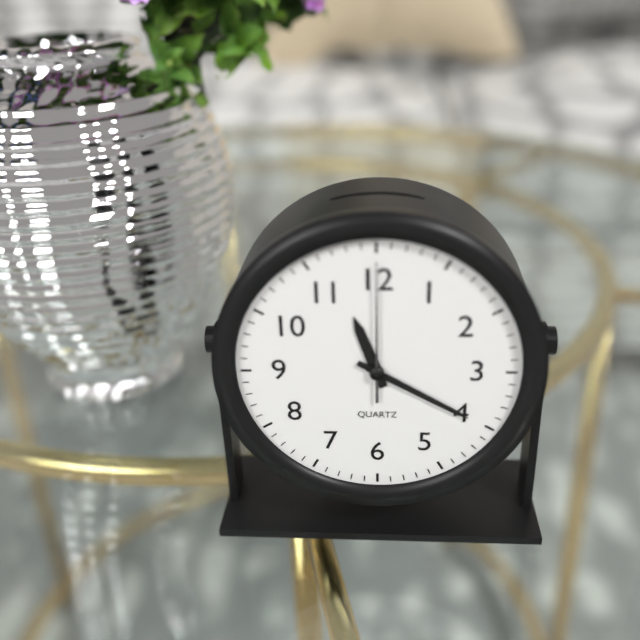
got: 11h20m00s
